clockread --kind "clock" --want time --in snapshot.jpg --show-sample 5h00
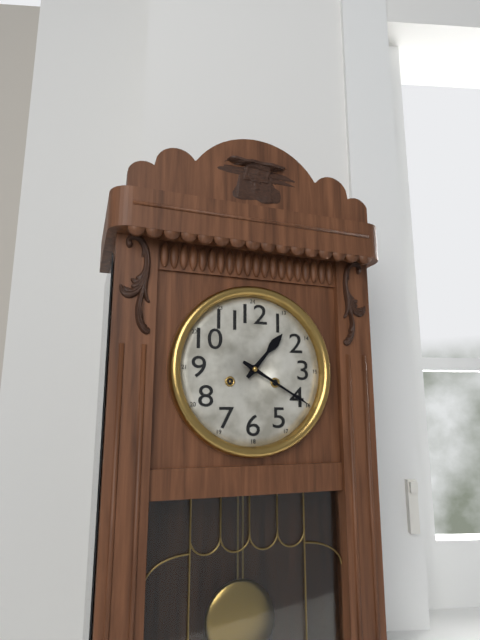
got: 1h20
